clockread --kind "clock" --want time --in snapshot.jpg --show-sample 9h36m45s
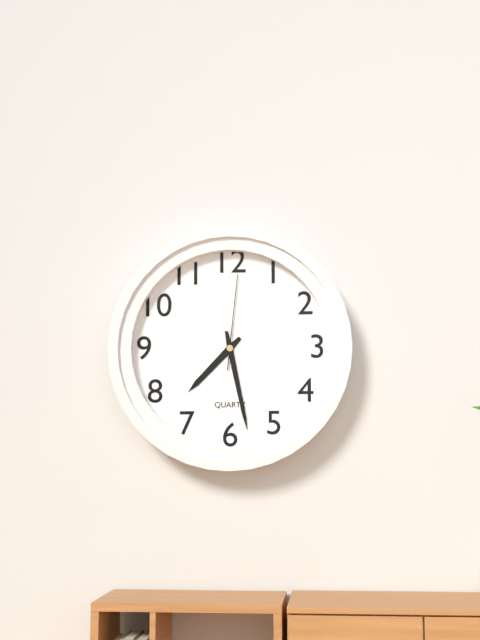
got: 7h28m01s
